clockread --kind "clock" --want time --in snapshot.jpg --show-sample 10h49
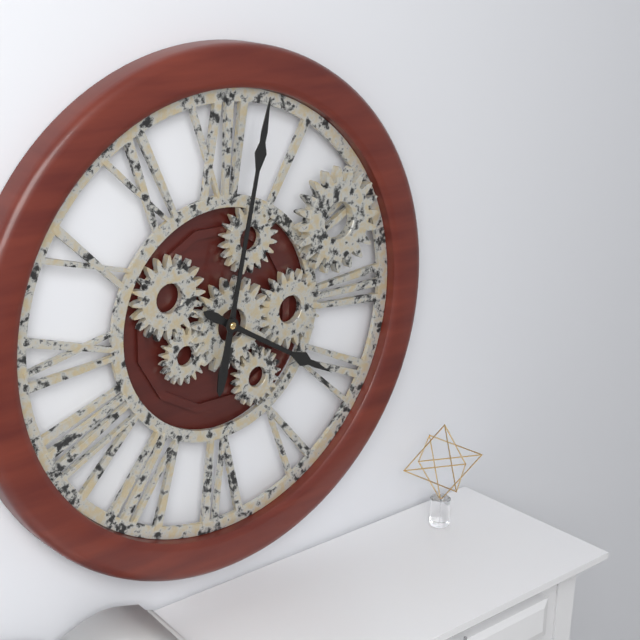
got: 4h02
